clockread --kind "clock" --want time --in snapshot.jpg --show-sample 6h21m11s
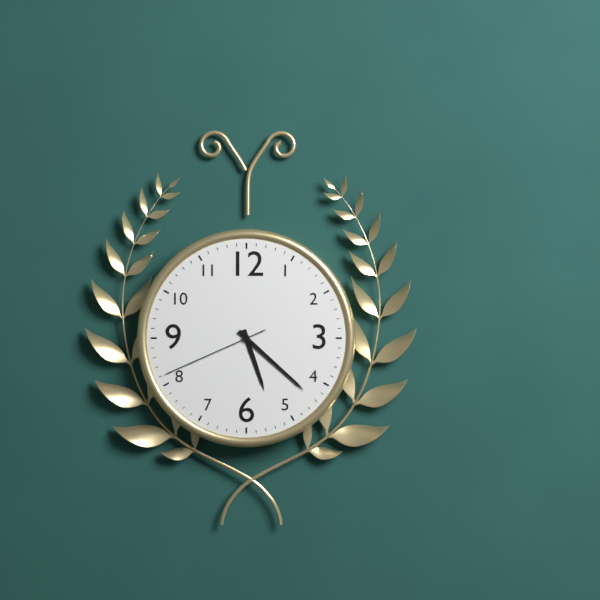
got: 5h22m41s
